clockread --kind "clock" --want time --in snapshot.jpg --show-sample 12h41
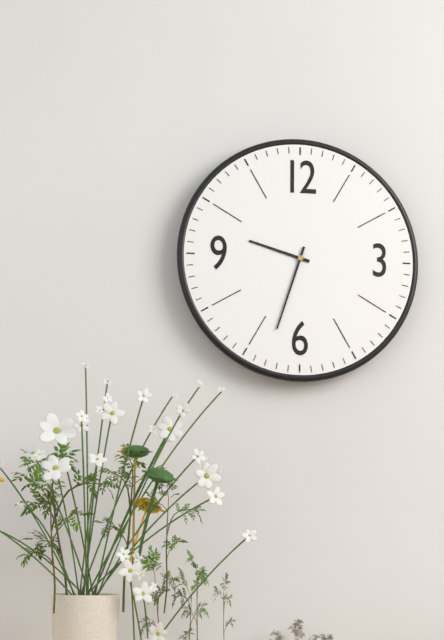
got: 9h33
